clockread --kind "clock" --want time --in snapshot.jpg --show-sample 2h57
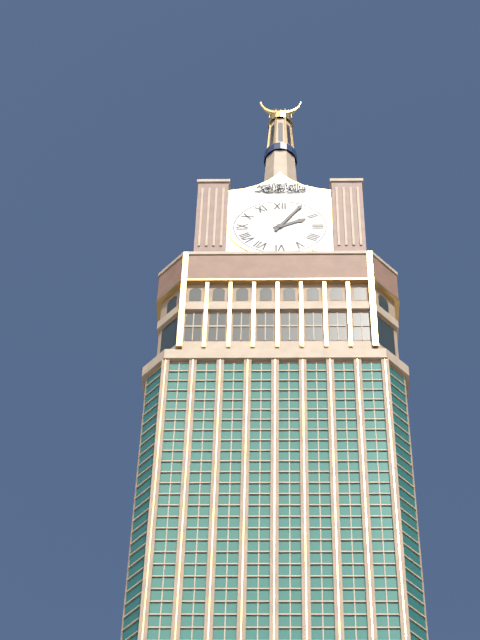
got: 2h05
